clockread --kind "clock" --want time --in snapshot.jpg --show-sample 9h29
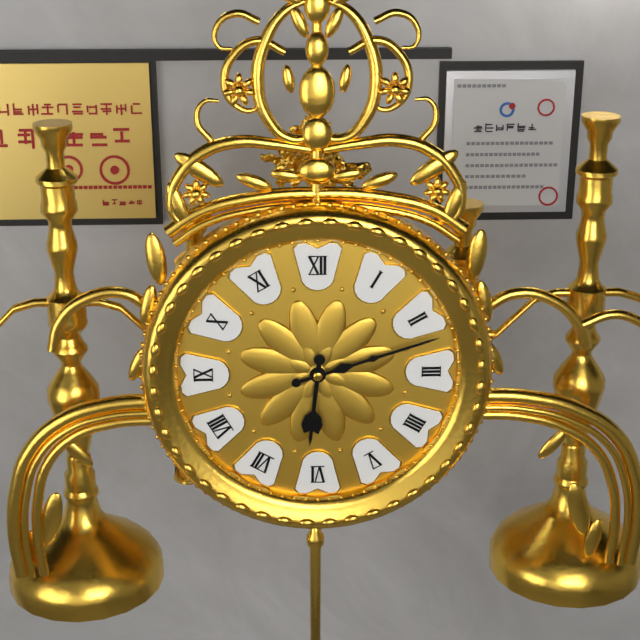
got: 6h12
